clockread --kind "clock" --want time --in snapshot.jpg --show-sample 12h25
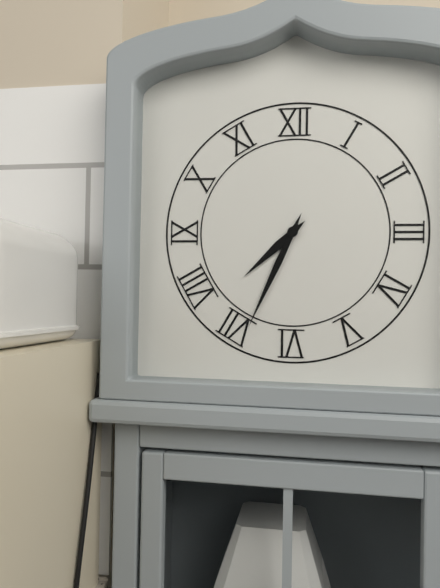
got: 7h34
